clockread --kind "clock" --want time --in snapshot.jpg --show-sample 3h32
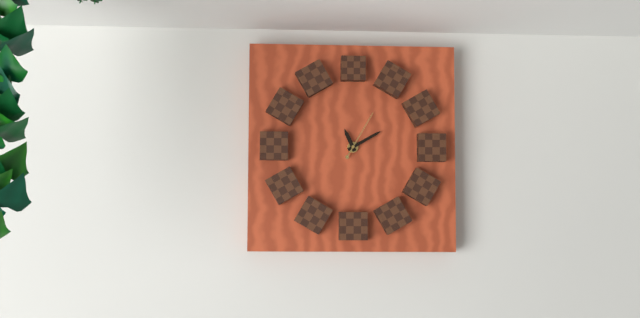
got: 11h10
